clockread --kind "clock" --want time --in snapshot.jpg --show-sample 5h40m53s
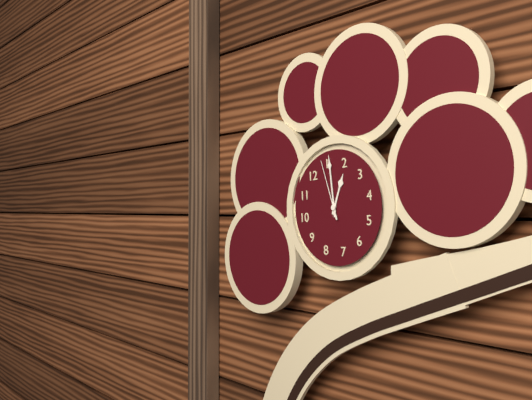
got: 2h06m04s
